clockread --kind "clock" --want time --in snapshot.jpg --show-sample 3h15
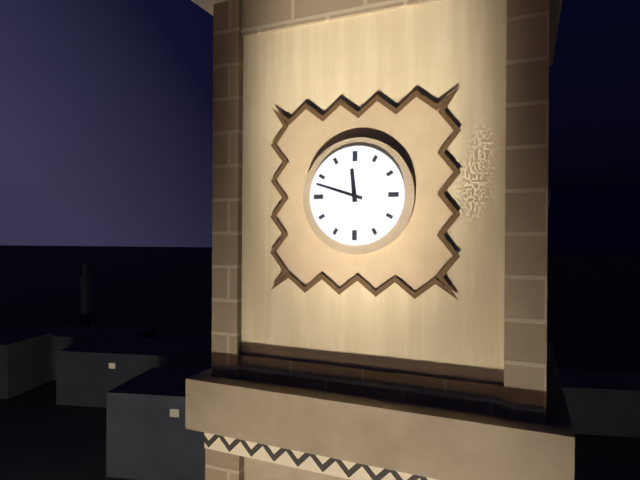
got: 11h48
